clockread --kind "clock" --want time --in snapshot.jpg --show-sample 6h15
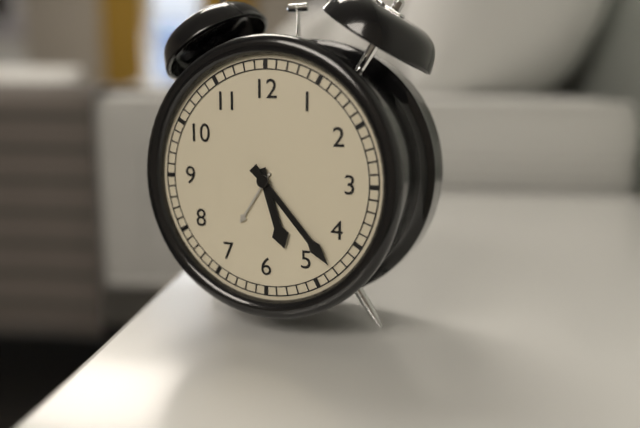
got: 5h23
